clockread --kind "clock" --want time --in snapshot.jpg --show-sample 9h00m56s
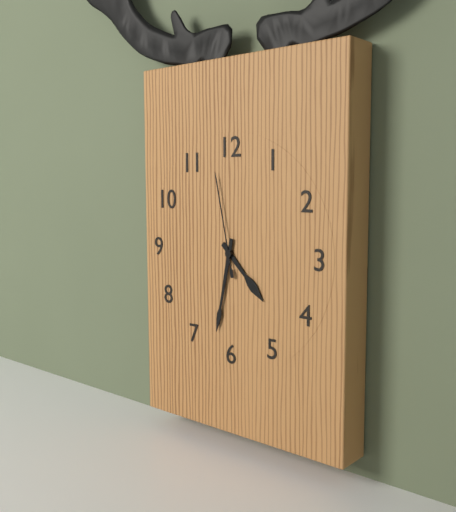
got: 4h32m58s
